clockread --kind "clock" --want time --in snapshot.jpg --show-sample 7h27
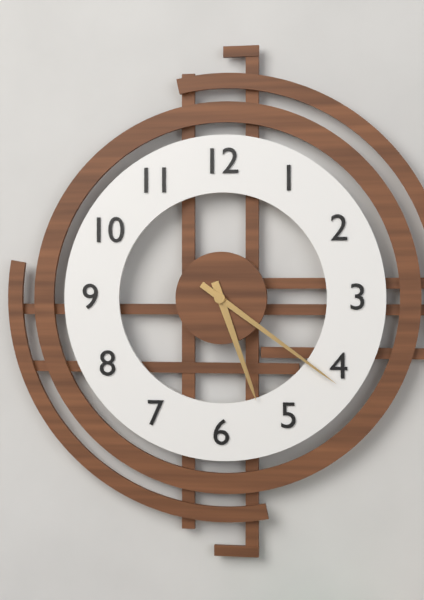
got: 5h21
